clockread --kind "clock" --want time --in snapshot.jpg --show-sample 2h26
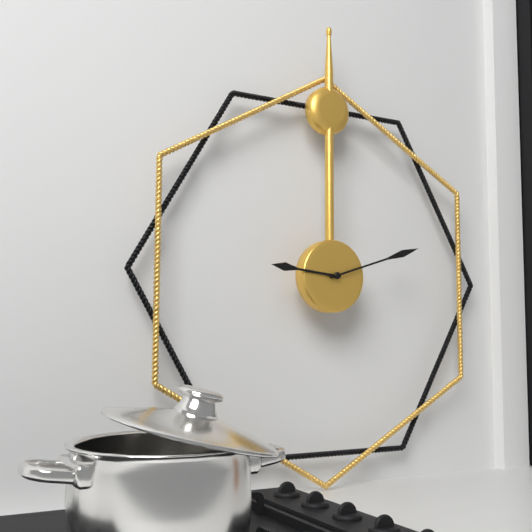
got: 9h12
